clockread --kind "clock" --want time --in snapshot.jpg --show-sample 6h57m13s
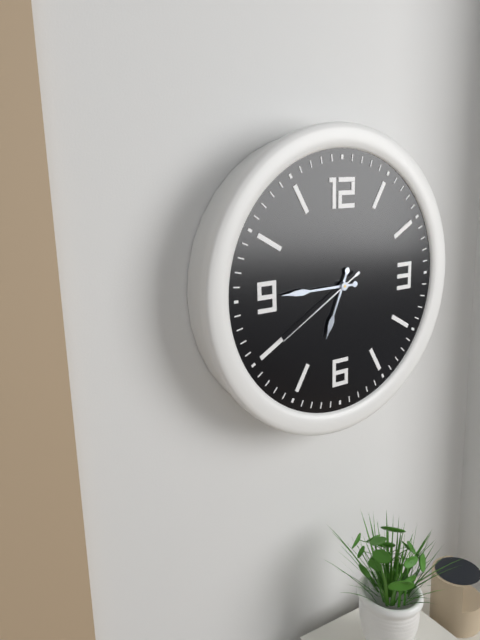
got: 6h45m40s
